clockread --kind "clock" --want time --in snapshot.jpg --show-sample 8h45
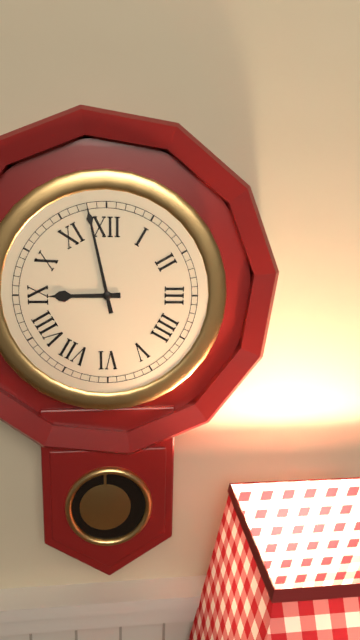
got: 8h58
